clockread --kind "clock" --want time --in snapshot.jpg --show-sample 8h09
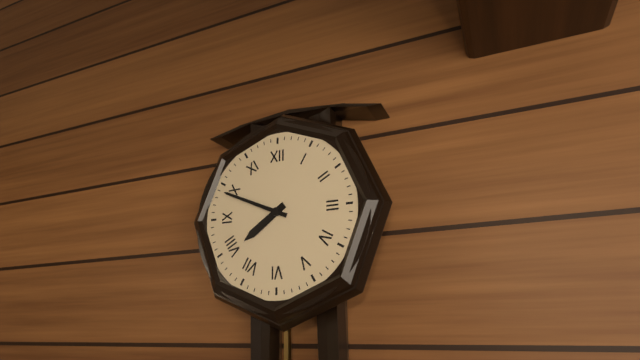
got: 7h49
